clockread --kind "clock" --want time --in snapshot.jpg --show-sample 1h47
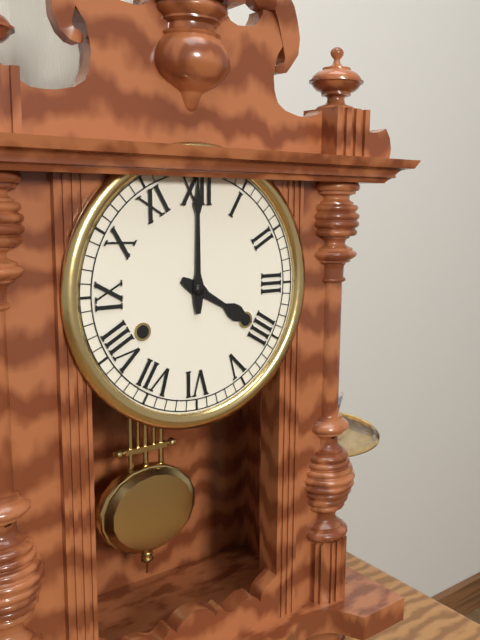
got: 4h00
